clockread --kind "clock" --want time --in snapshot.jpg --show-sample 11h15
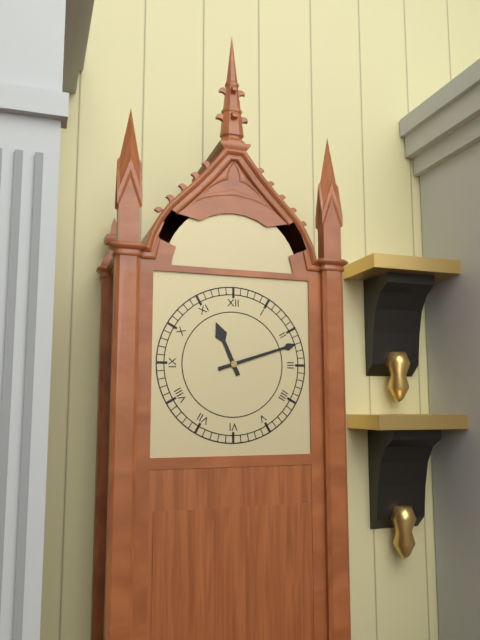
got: 11h12
